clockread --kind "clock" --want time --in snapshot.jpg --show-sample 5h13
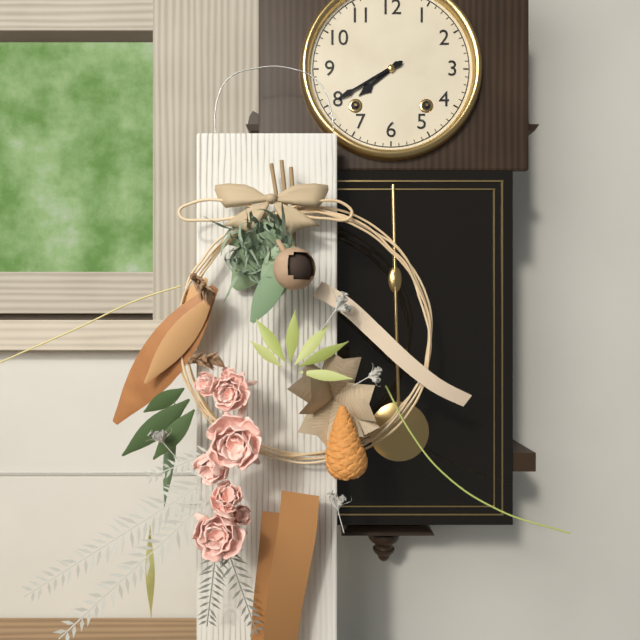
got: 7h40
